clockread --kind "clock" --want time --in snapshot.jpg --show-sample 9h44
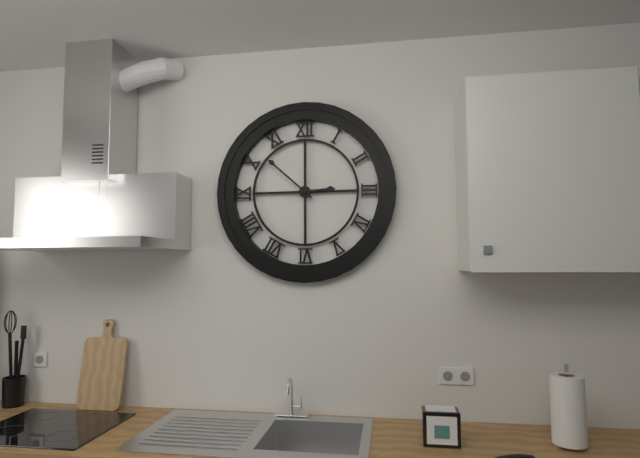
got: 2h52
